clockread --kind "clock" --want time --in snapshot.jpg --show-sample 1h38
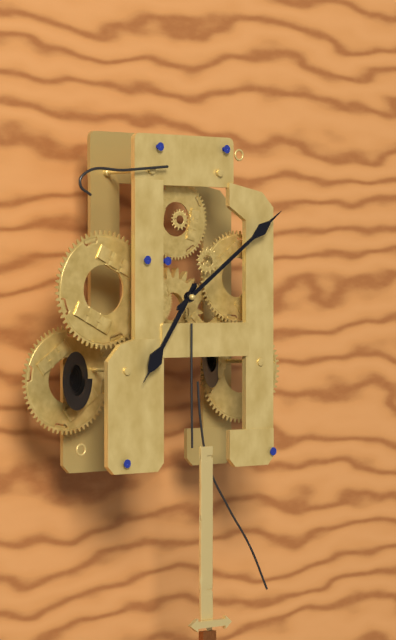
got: 7h09
